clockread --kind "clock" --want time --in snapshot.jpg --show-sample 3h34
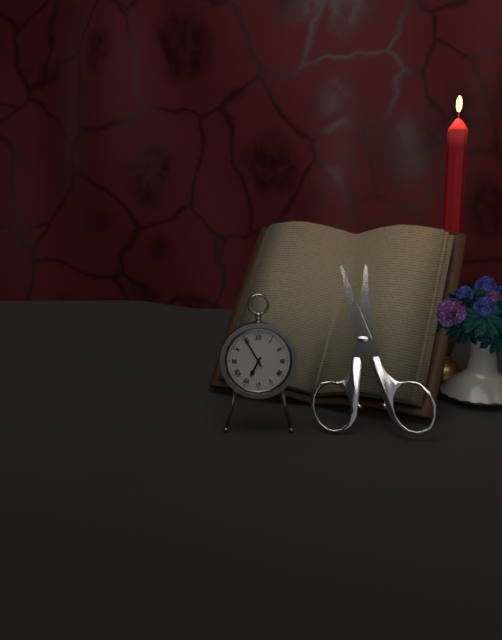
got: 6h55
